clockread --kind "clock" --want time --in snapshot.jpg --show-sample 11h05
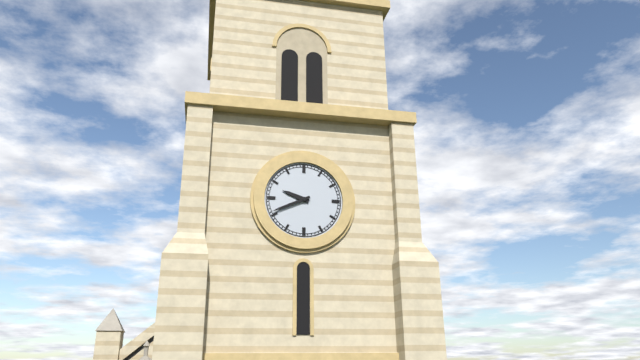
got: 9h41
